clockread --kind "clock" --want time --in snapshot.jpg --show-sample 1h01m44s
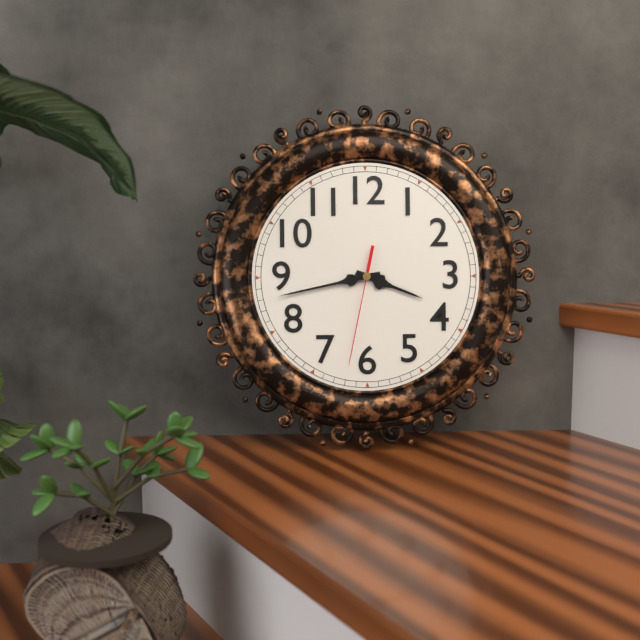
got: 3h43m32s
